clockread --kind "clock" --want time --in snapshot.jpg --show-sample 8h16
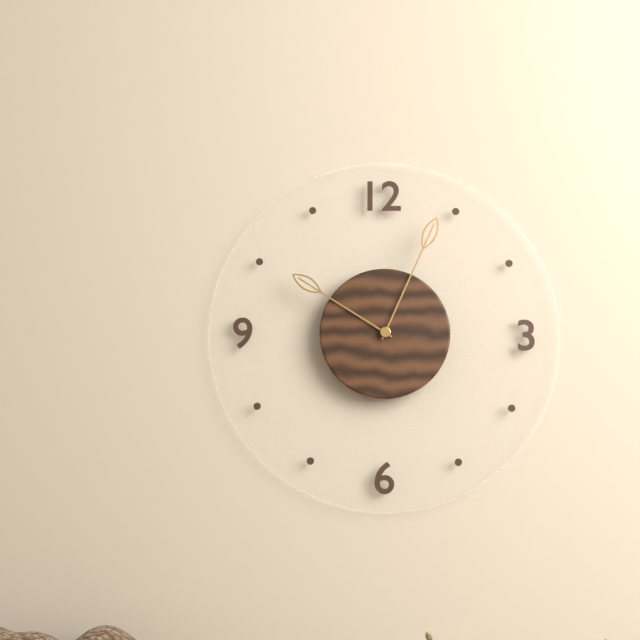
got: 10h04
